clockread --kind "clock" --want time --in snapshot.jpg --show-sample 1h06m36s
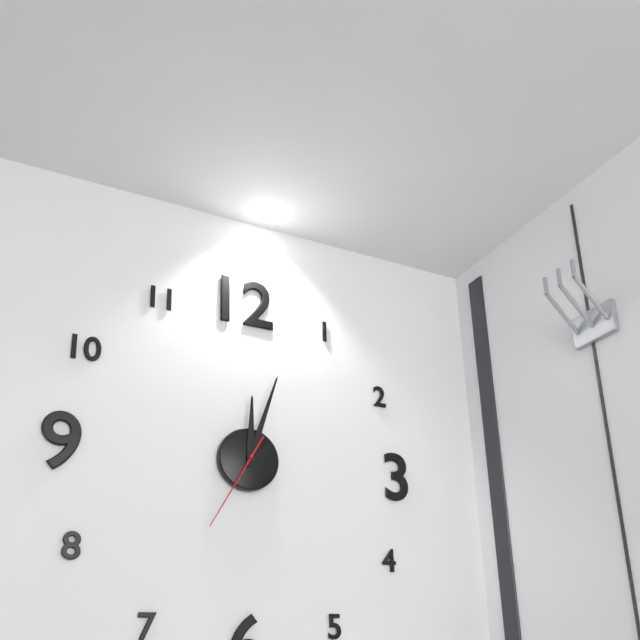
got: 12h03m35s
